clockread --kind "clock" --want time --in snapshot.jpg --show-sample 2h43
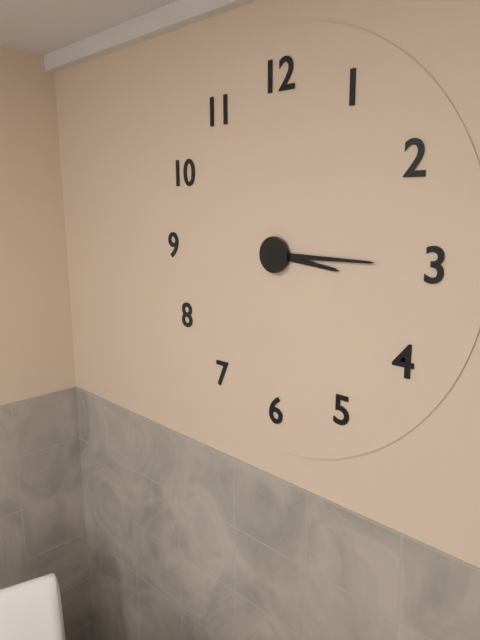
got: 3h15
